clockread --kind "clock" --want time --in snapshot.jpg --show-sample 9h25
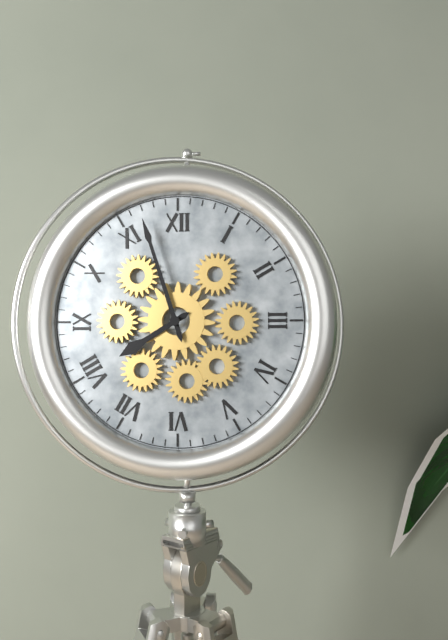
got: 7h57
